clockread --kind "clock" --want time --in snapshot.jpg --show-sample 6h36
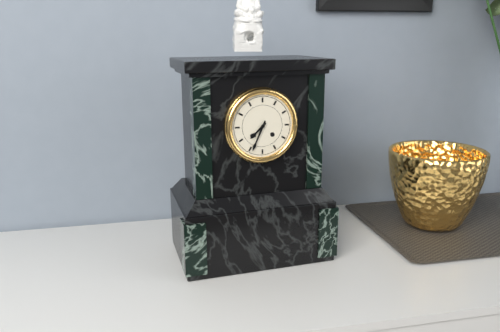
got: 7h34
